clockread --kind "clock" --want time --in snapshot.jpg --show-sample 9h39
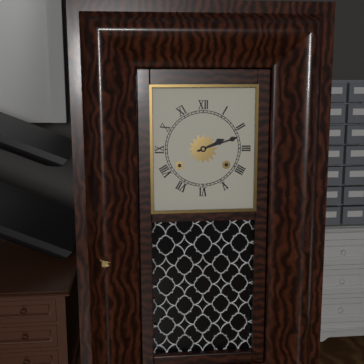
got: 2h12
